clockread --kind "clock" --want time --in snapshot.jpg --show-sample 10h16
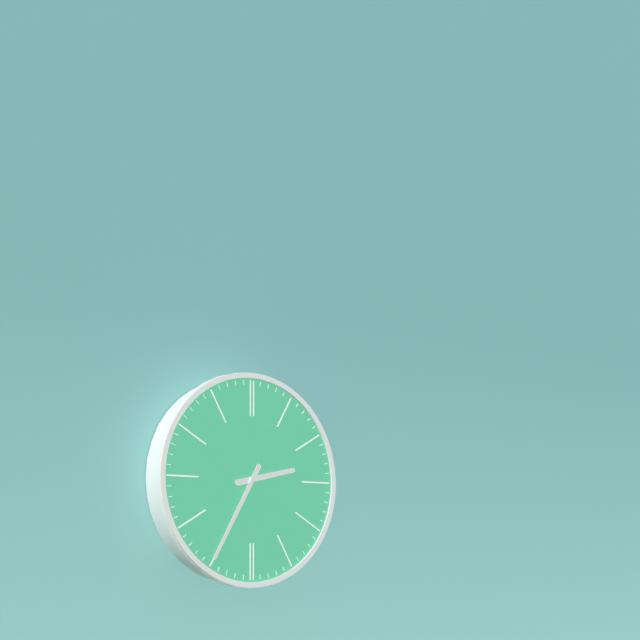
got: 2h35
